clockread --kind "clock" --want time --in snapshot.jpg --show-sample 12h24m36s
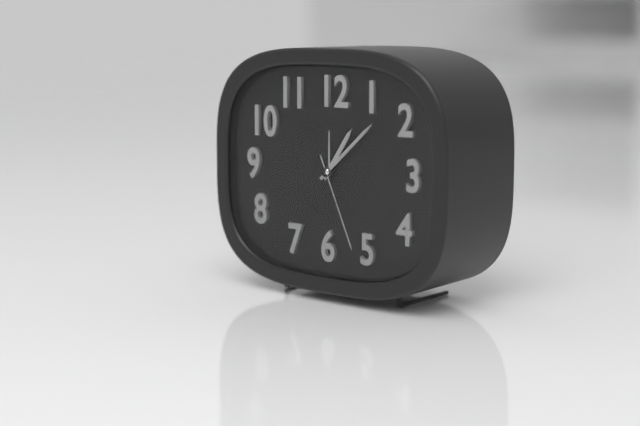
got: 1h08m26s
